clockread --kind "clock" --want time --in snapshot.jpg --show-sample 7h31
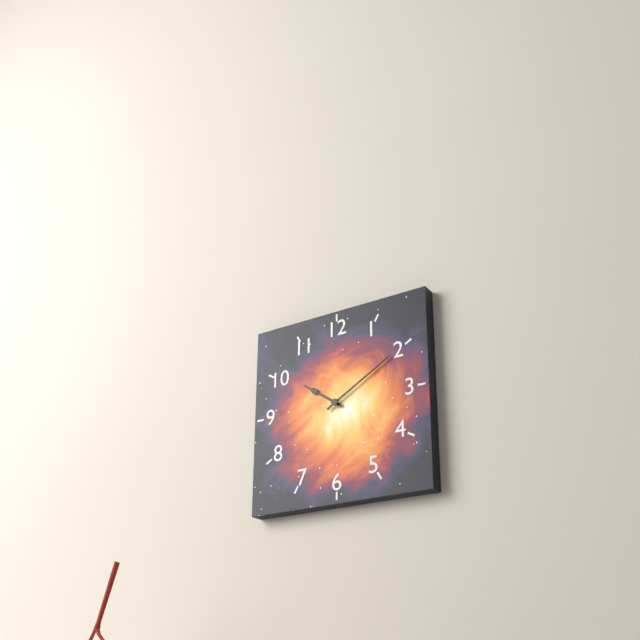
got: 10h10
